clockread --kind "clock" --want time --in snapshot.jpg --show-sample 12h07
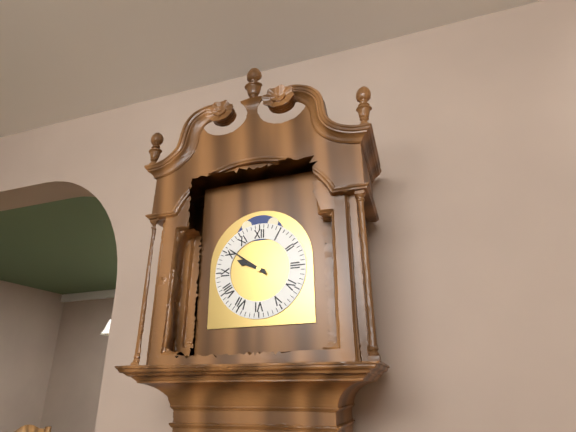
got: 9h51
